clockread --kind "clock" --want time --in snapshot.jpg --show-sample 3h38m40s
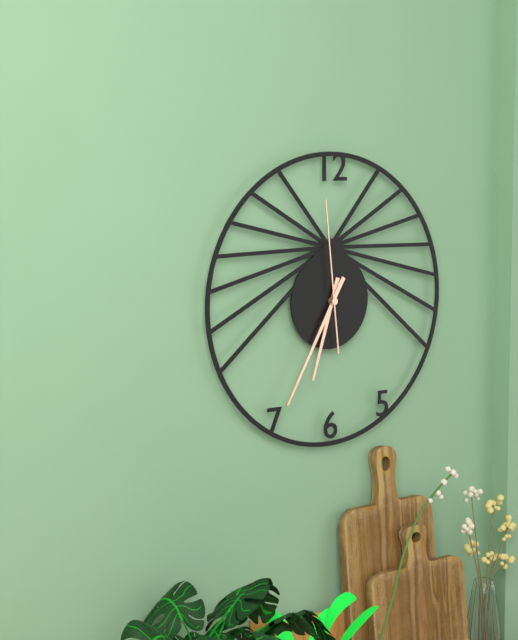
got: 6h35m59s
